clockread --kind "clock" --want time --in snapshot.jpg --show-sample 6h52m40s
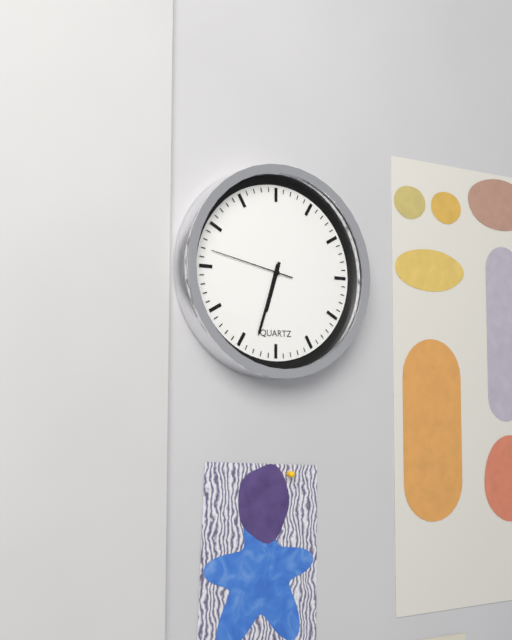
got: 6h33m47s
